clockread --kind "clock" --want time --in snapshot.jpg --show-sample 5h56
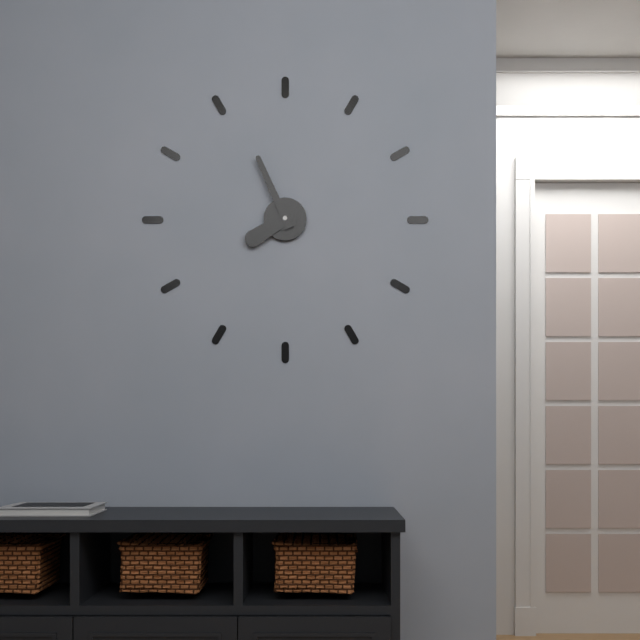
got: 7h56
